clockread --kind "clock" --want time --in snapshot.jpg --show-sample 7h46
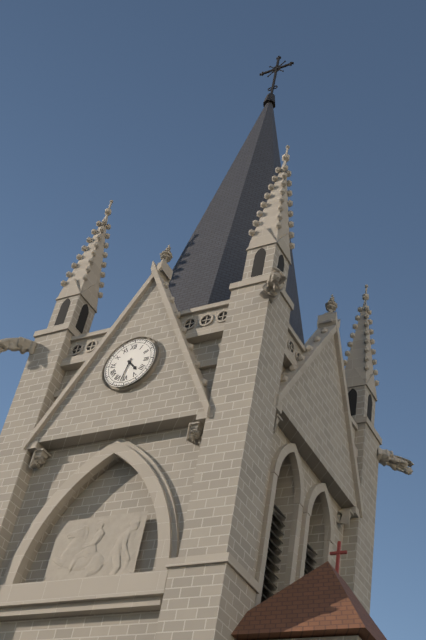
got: 4h32
